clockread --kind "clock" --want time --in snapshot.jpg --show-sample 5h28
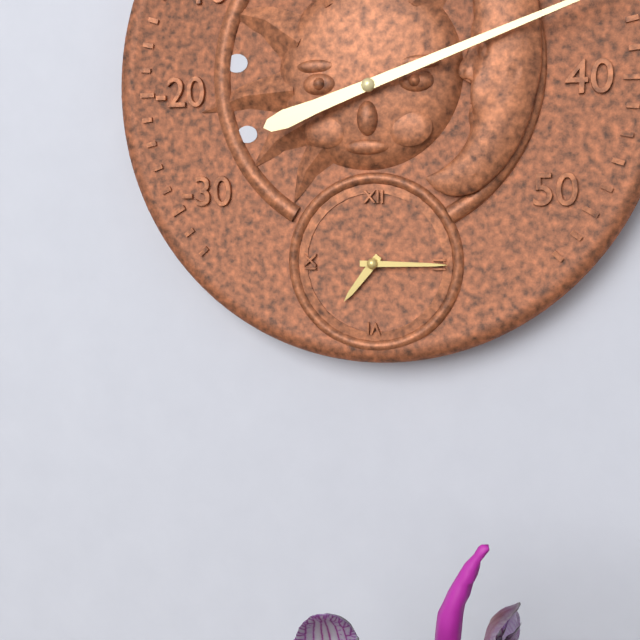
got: 7h15
